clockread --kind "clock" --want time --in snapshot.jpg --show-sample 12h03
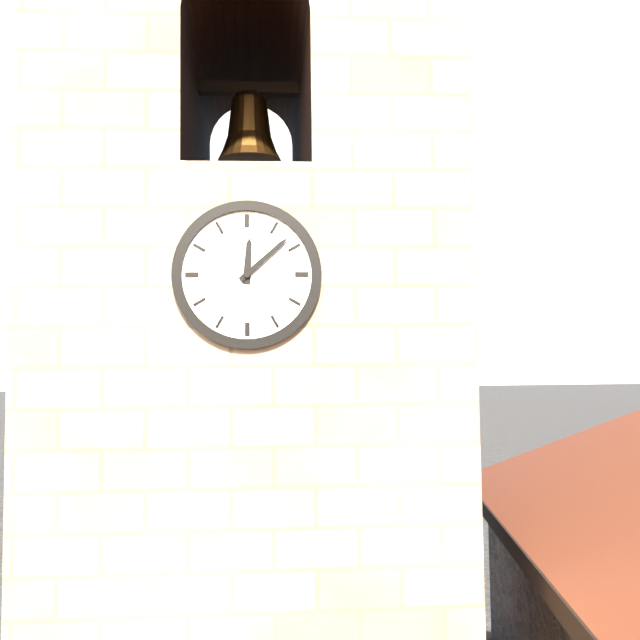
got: 12h08
